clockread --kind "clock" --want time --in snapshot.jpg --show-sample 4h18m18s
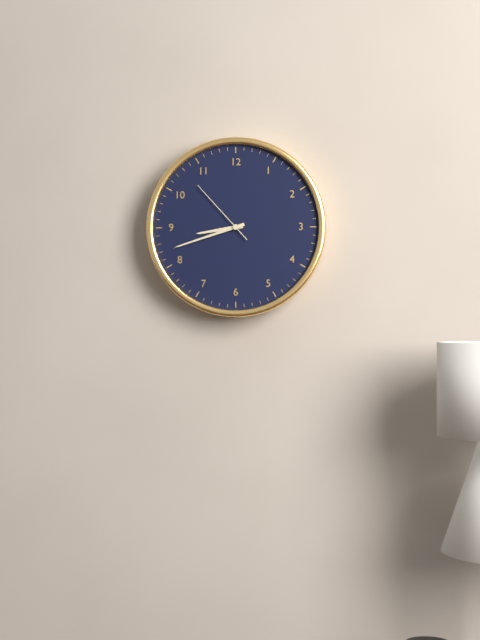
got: 8h42m53s
